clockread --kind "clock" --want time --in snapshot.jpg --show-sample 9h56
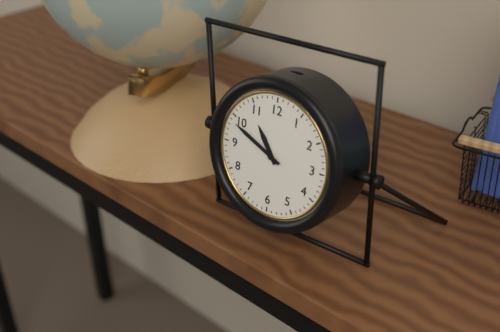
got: 10h49
